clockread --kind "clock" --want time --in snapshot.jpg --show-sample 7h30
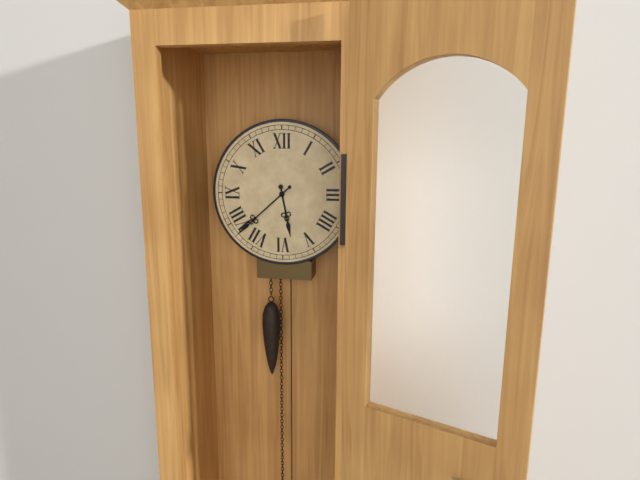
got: 5h38
